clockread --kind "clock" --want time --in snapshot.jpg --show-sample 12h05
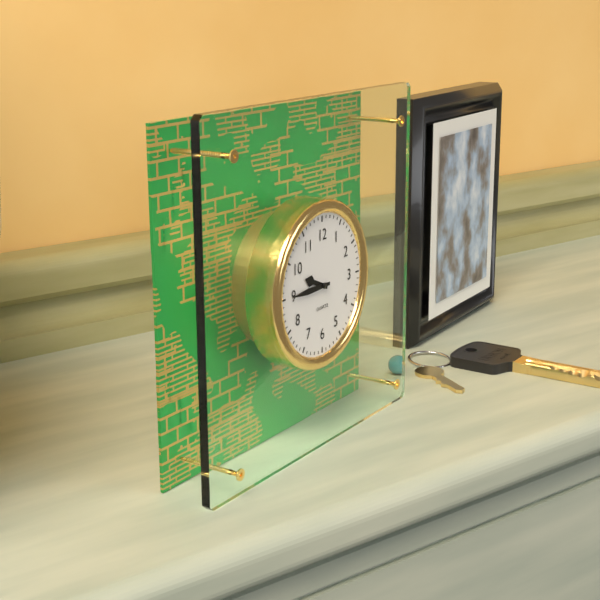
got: 9h45
